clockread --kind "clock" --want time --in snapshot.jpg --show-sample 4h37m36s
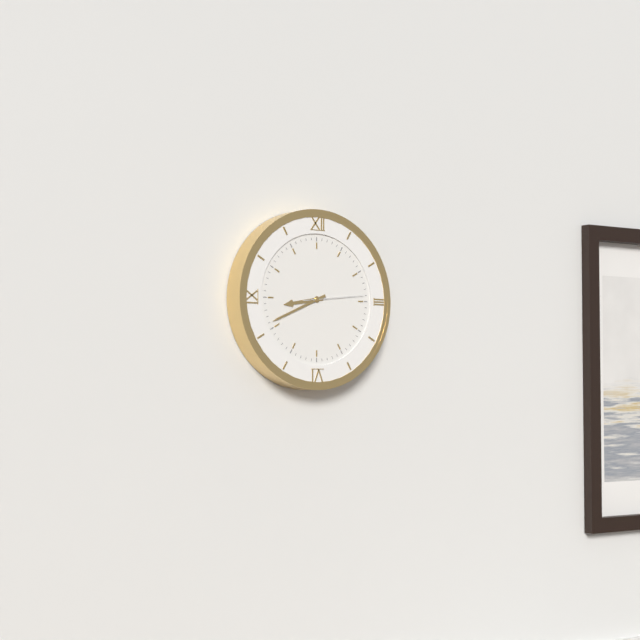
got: 8h41m14s
